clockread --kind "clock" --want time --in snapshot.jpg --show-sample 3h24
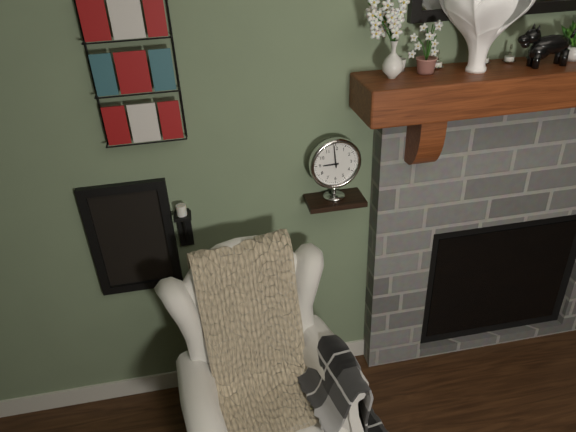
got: 8h59
